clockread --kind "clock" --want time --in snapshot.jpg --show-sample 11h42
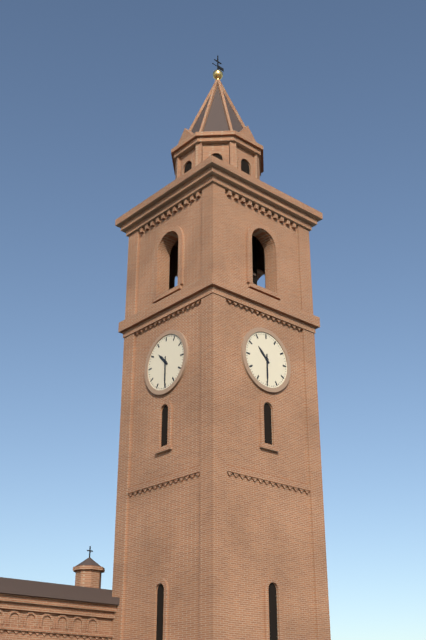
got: 10h30
